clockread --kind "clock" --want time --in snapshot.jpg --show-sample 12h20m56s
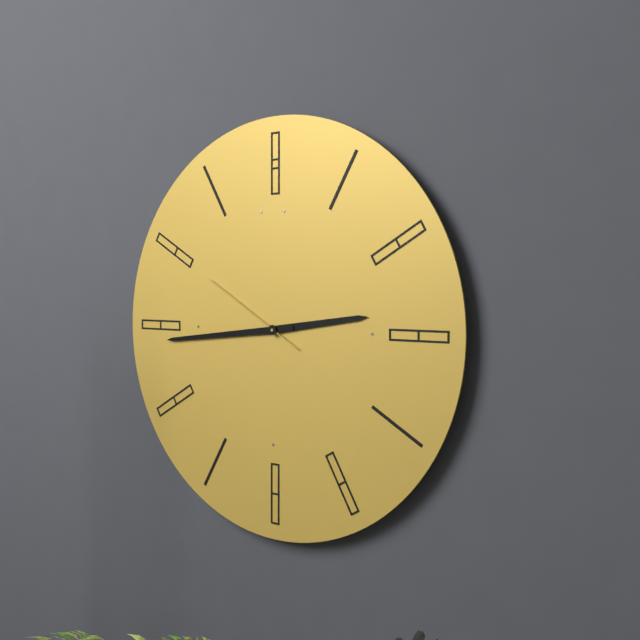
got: 2h44m50s
